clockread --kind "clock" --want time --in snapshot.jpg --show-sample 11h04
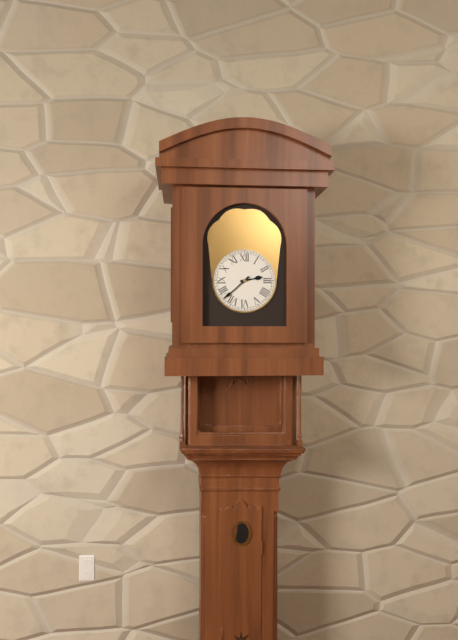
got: 2h38
